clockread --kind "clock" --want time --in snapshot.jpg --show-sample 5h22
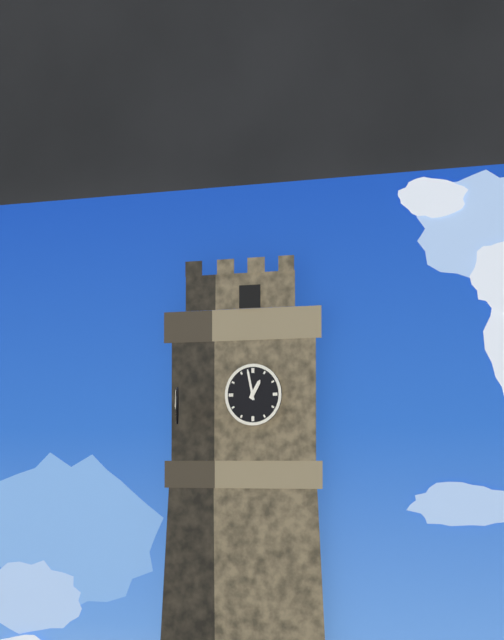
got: 12h58
